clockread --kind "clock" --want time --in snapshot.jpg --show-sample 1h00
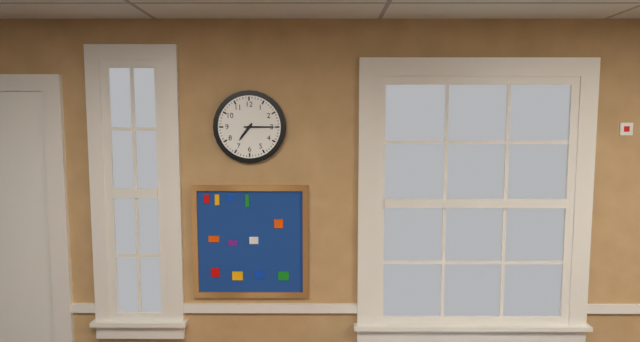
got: 7h15
